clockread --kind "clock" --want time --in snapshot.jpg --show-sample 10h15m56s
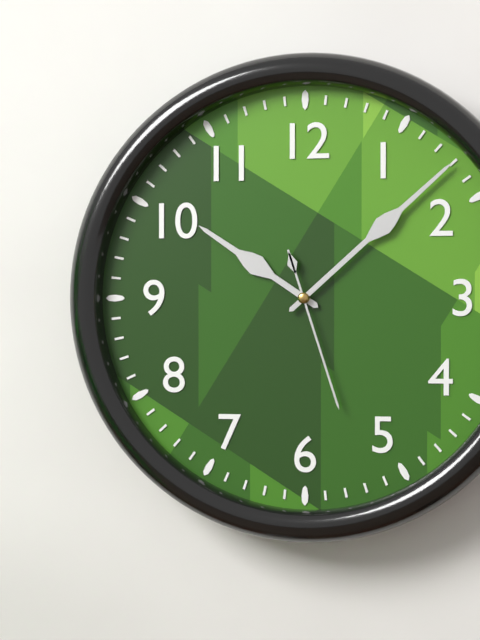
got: 10h08m27s
